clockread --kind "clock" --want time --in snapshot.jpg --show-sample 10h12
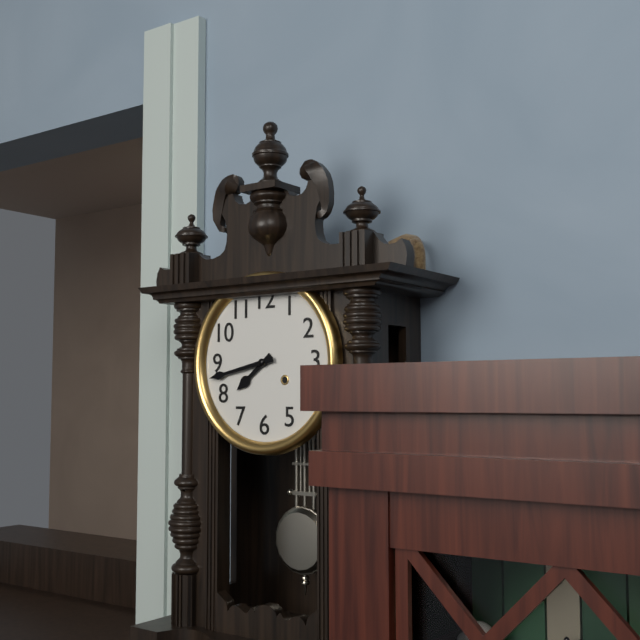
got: 7h43
